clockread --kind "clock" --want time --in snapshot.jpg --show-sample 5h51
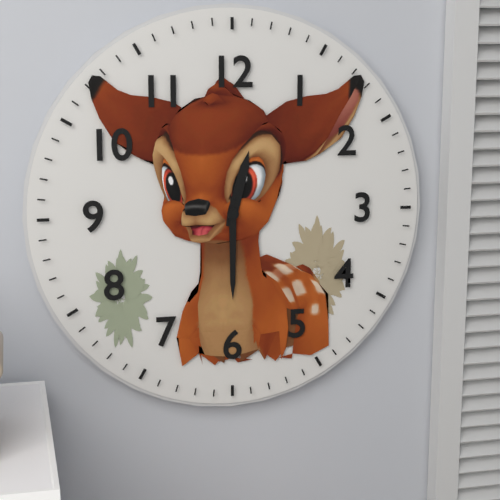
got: 12h30
